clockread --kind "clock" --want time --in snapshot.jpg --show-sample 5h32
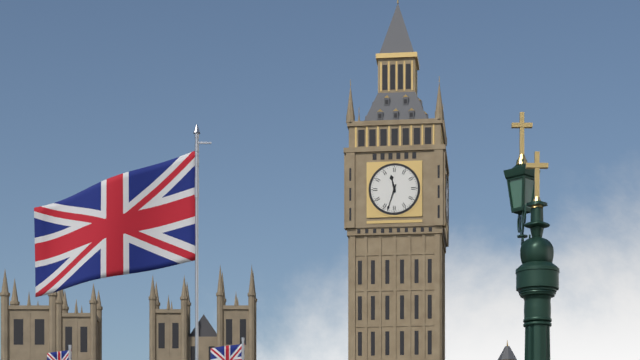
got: 11h33
